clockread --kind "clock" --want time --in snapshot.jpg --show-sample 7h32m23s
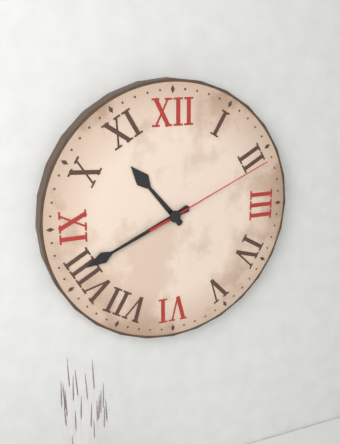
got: 10h41m11s
